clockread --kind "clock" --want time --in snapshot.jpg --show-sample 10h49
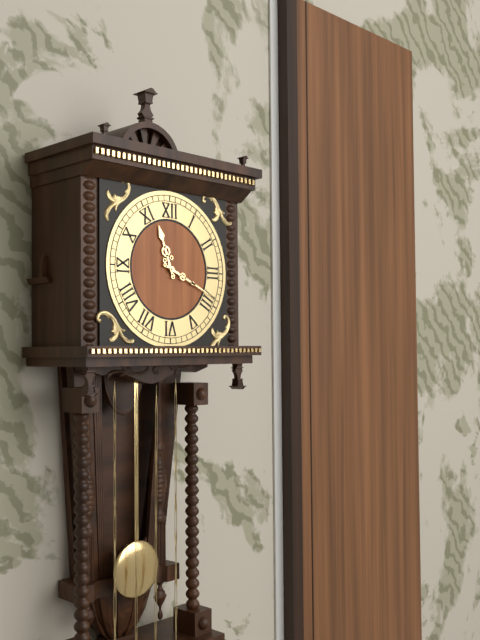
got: 11h19
